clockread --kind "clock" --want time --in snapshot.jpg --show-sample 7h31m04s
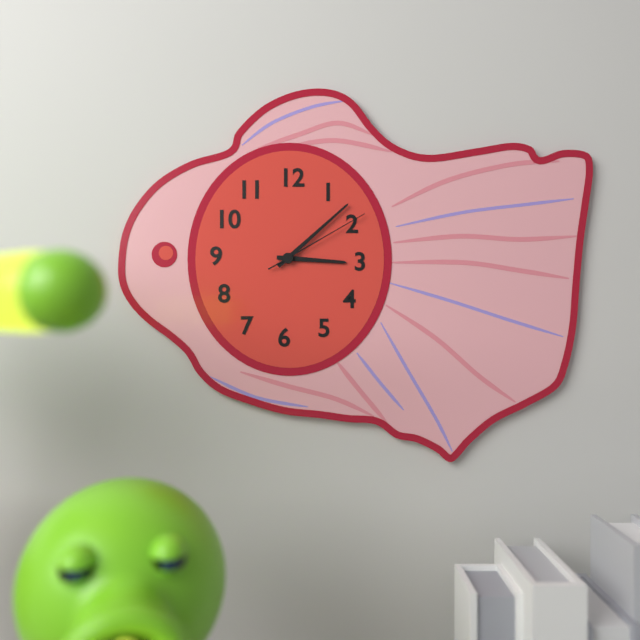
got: 3h08m10s
